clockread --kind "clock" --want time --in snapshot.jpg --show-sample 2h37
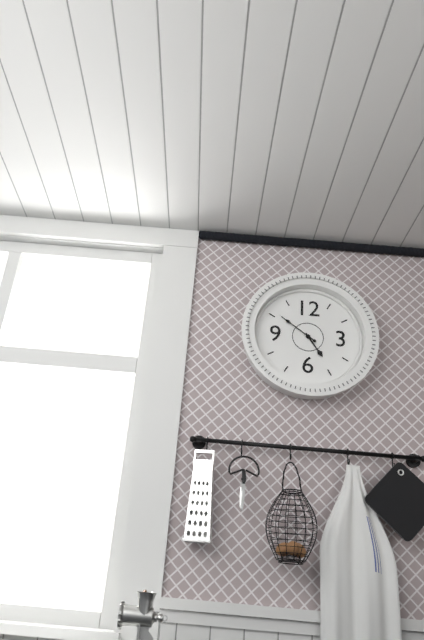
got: 4h51
